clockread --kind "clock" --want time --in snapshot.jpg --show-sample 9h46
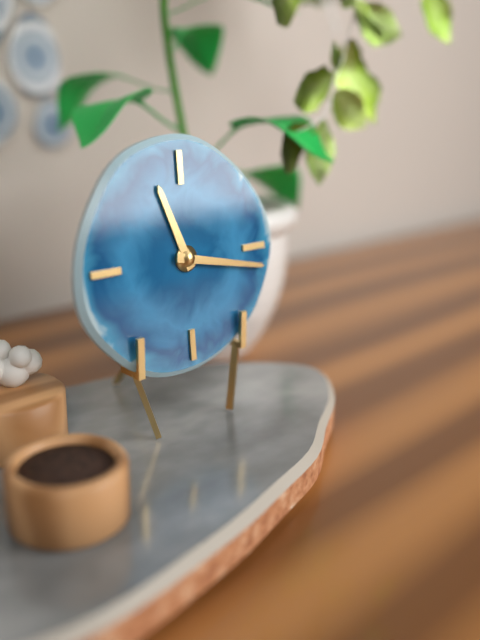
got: 11h17
